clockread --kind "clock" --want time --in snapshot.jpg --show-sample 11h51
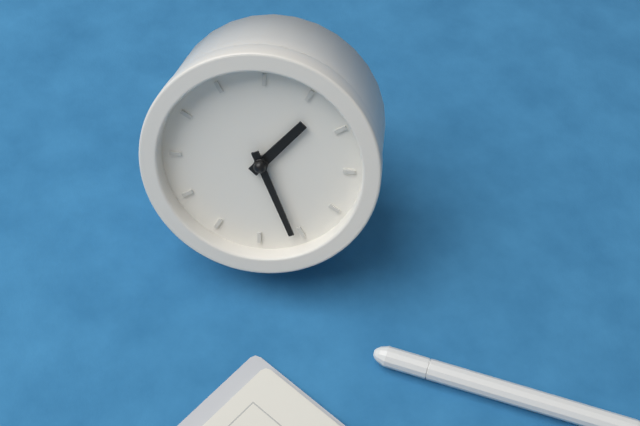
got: 12h21
